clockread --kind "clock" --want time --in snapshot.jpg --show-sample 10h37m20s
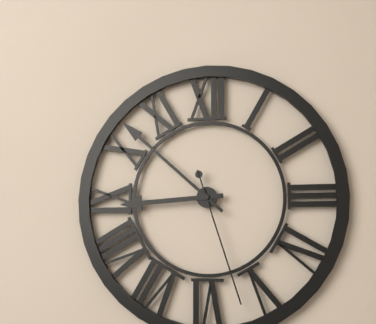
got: 8h52m27s
